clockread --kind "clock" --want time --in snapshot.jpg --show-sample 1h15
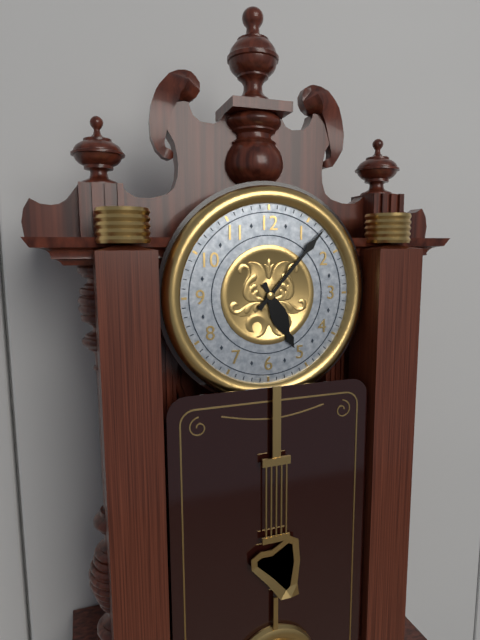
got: 5h07
